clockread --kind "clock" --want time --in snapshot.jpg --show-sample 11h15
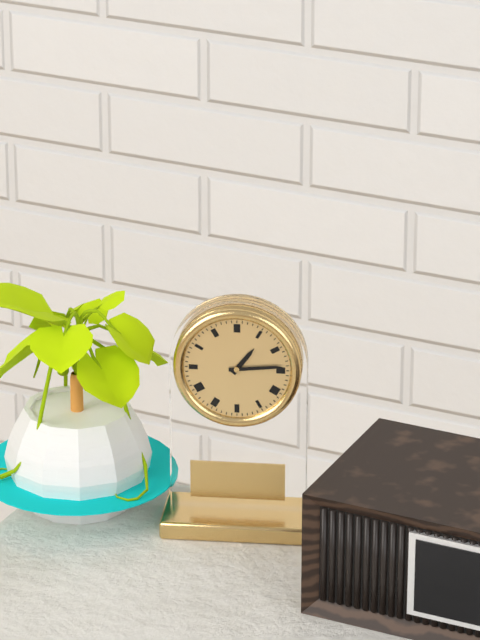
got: 1h14
